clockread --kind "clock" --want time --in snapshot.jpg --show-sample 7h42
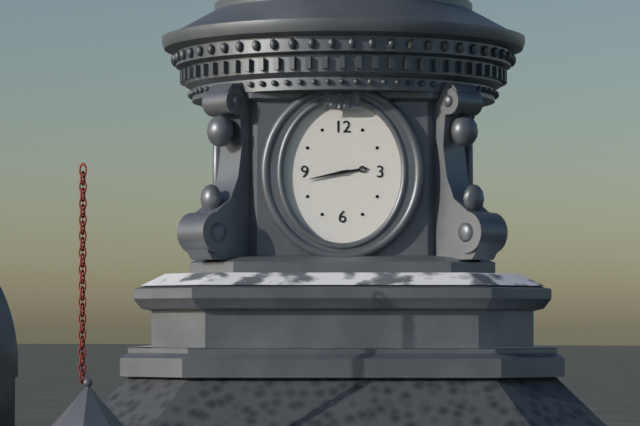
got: 2h43
